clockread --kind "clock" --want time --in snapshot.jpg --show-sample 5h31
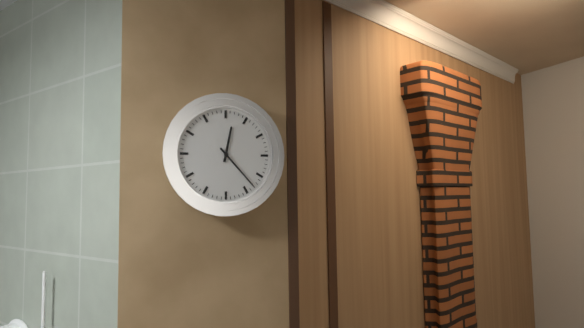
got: 12h23
